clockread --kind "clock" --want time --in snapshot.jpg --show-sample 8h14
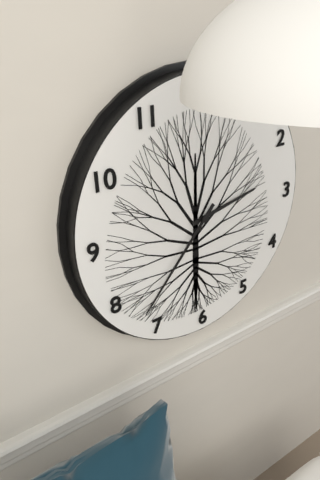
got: 2h37
